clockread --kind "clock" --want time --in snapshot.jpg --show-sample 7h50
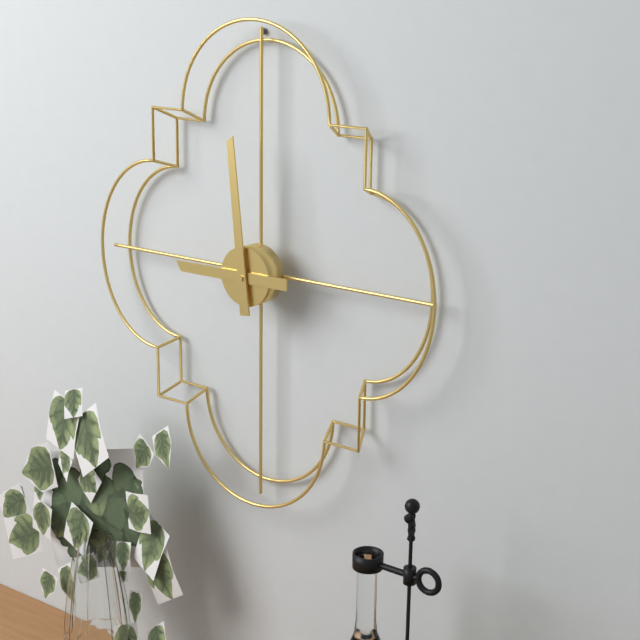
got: 8h59
